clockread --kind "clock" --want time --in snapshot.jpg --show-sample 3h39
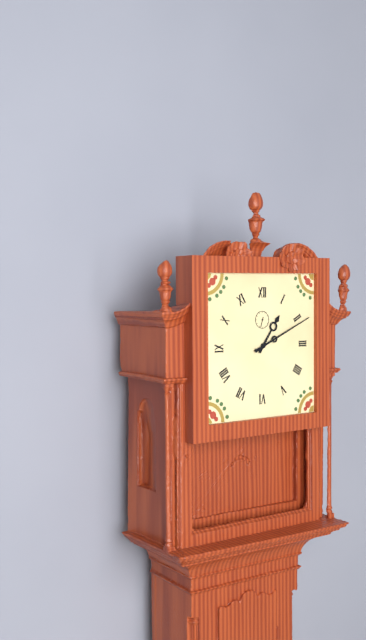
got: 1h11
